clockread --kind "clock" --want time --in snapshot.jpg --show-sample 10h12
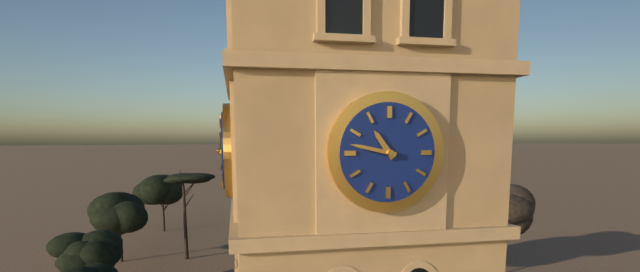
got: 10h47
